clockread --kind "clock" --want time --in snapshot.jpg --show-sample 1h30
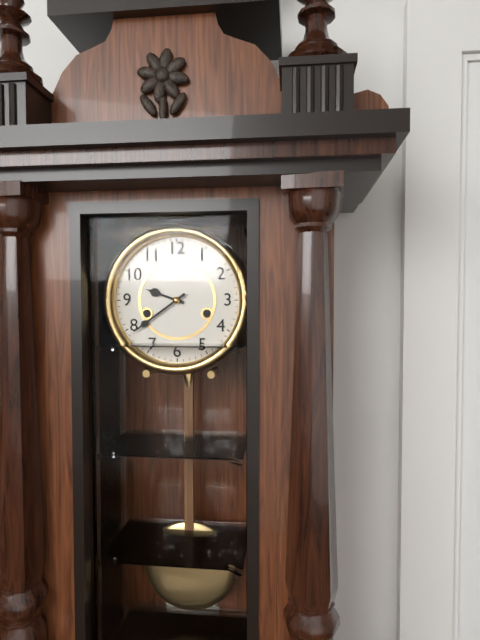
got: 9h39
